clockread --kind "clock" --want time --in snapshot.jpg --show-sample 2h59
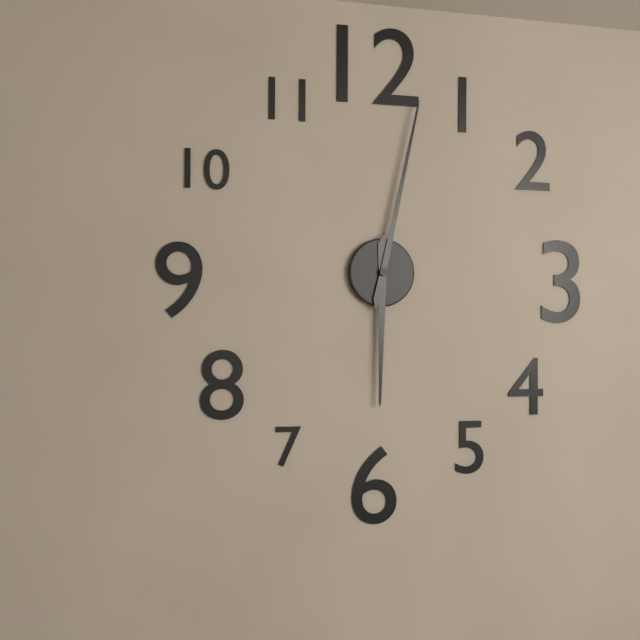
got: 6h02
